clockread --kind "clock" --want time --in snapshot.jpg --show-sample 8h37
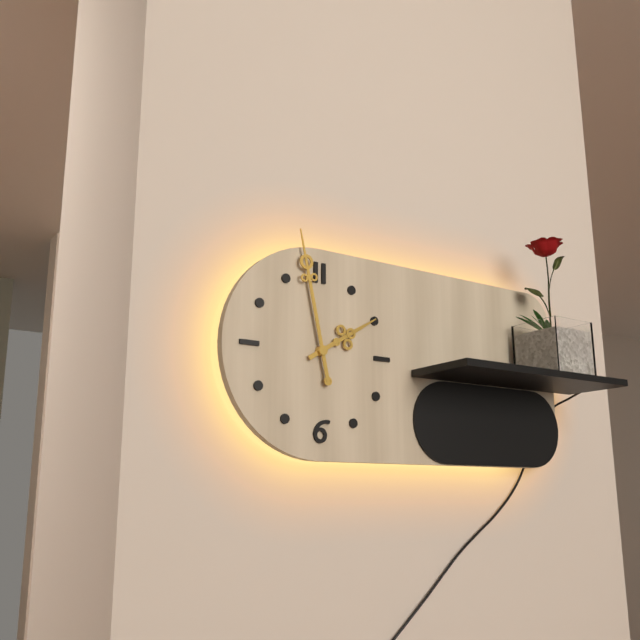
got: 1h58
